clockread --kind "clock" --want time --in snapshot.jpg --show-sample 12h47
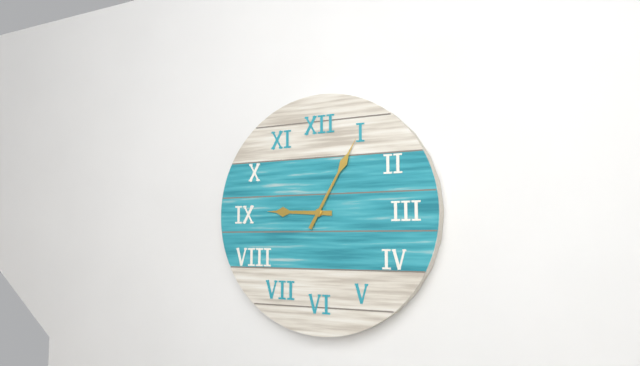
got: 9h05
